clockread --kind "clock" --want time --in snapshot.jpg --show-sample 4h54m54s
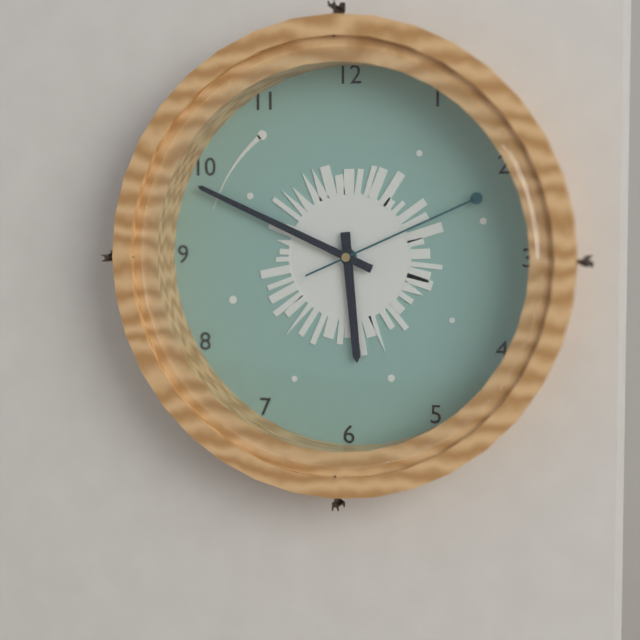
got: 5h49m11s
